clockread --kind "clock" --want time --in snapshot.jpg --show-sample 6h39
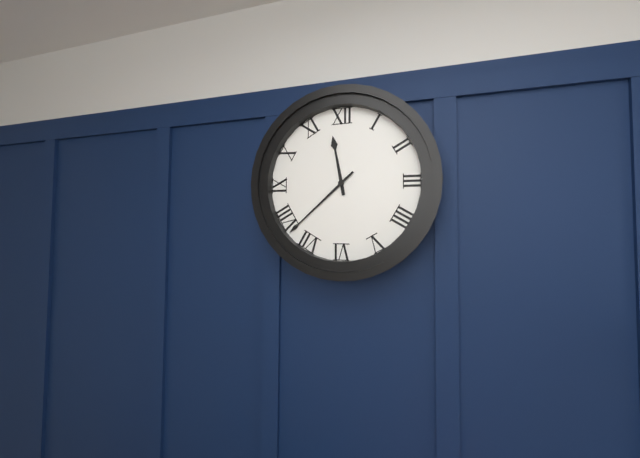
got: 11h38
